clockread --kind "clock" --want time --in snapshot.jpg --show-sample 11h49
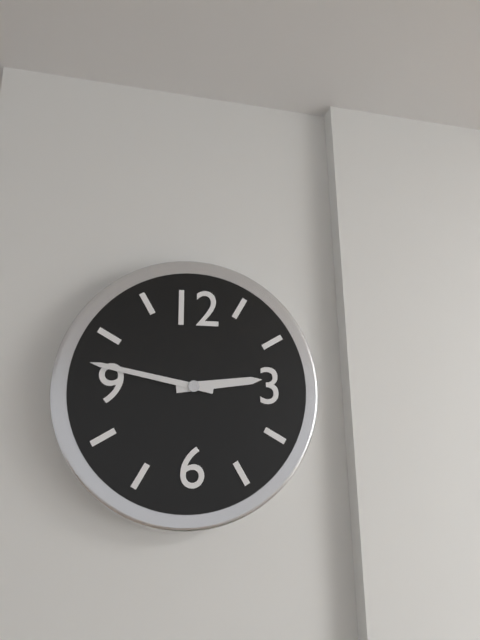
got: 2h47
